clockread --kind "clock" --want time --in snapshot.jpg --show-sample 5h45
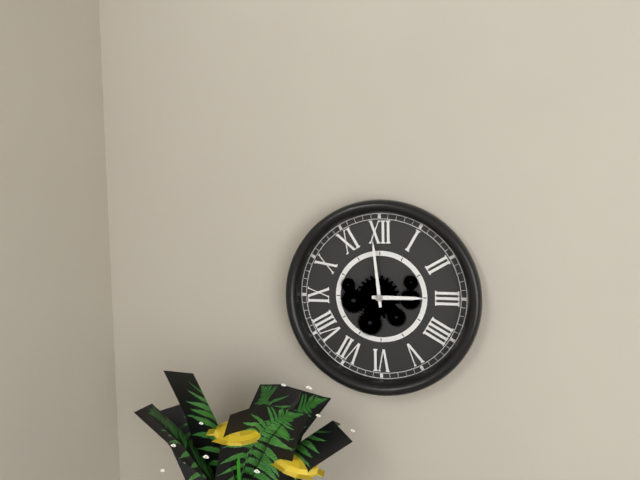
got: 2h59
